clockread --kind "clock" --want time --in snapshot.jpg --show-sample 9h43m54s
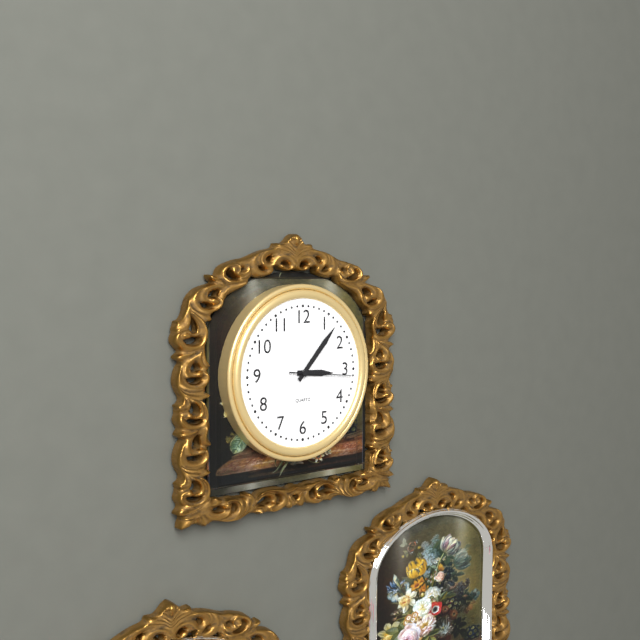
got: 3h07m16s
